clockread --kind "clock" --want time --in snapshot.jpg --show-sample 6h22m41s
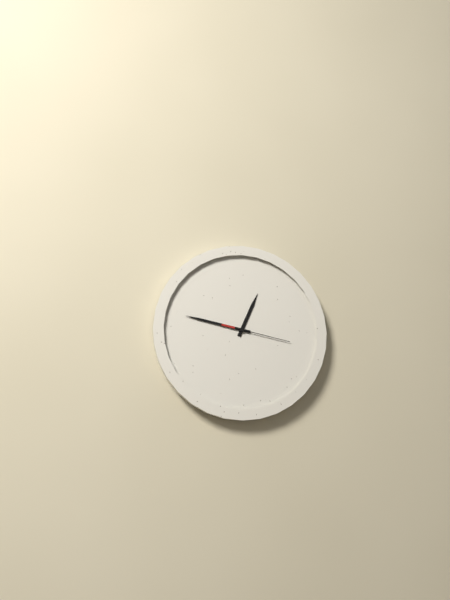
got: 12h47m17s
